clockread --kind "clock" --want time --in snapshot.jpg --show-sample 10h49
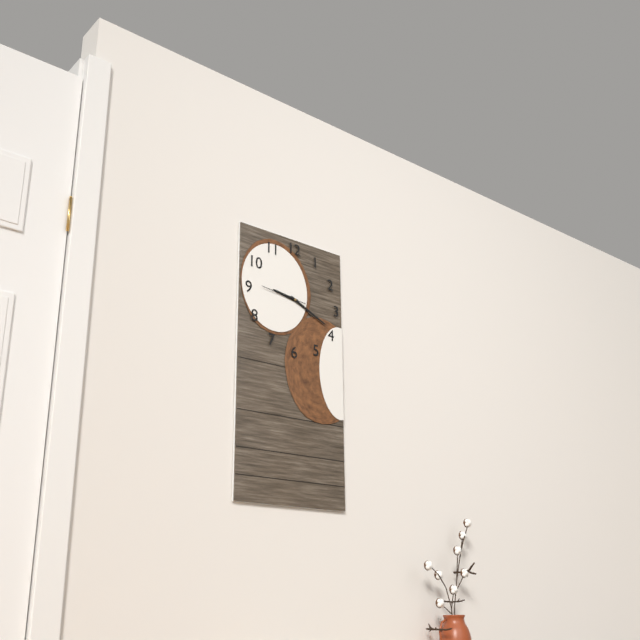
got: 9h19
